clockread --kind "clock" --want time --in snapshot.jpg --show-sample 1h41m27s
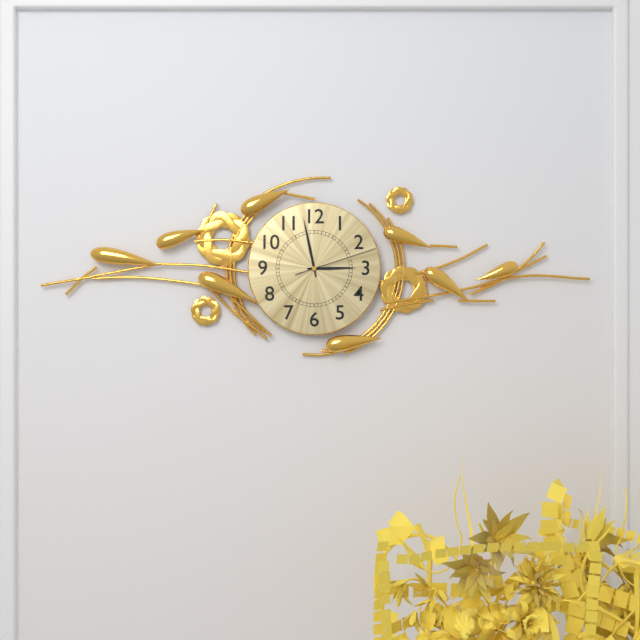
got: 2h58m12s
